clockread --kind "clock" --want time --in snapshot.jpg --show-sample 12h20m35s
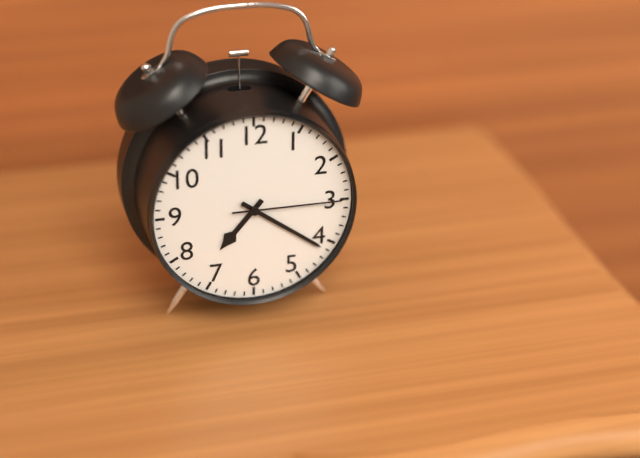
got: 7h21m15s
